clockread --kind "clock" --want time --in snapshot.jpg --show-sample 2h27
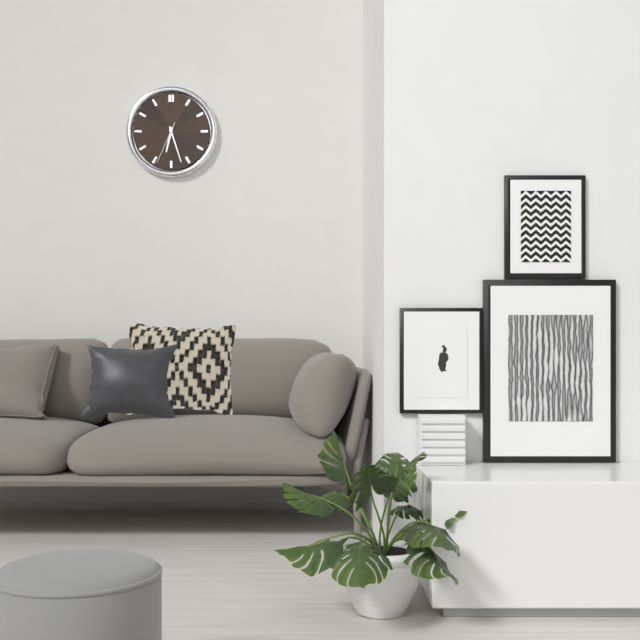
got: 6h27
